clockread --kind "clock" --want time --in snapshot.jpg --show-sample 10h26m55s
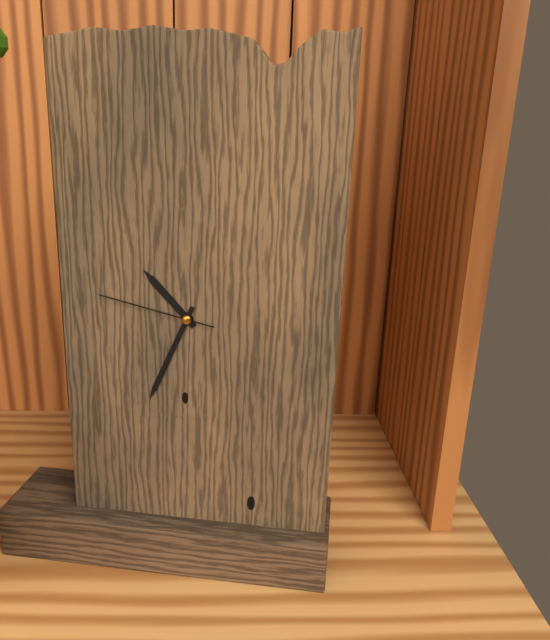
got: 10h34m47s
